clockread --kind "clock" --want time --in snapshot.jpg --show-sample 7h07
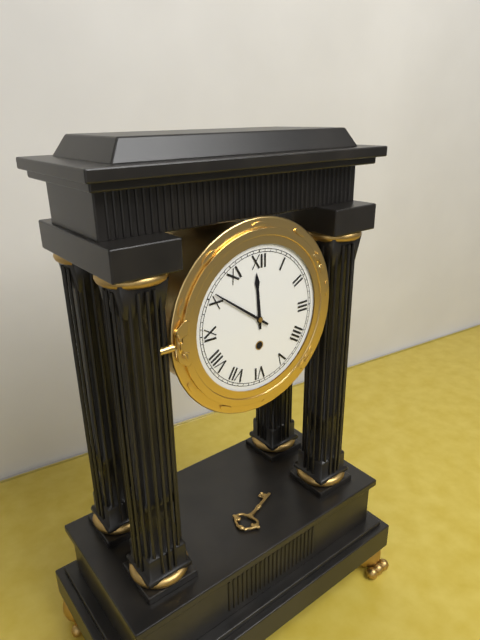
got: 11h51
